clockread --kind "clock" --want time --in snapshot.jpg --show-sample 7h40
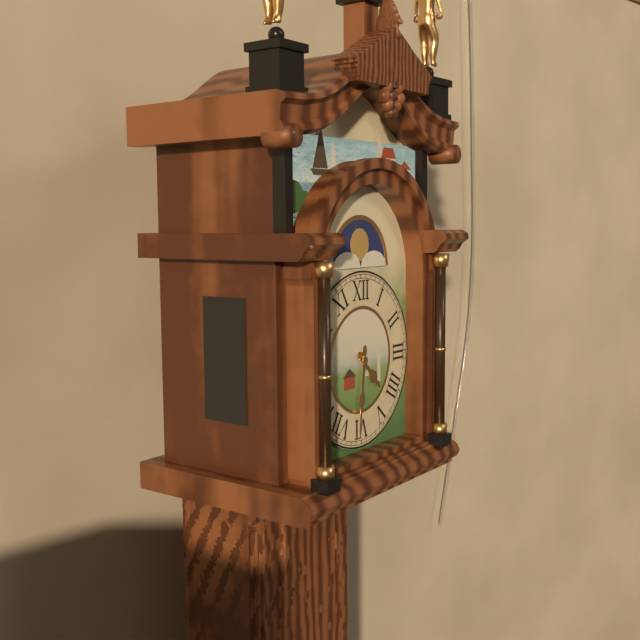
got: 4h31
